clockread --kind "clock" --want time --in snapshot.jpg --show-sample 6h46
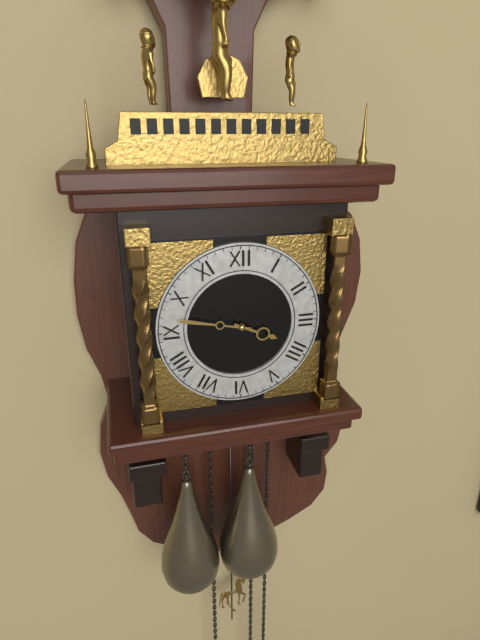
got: 3h47
